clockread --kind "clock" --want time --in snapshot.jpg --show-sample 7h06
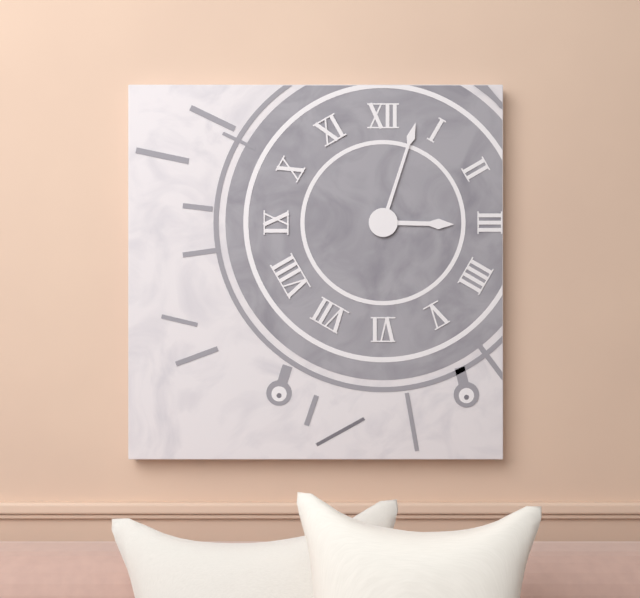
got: 3h03
